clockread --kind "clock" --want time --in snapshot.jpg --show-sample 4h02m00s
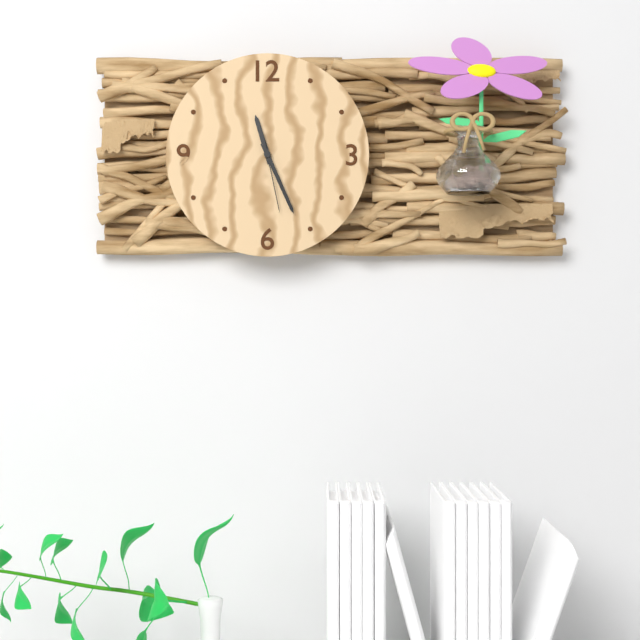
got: 11h26m28s
